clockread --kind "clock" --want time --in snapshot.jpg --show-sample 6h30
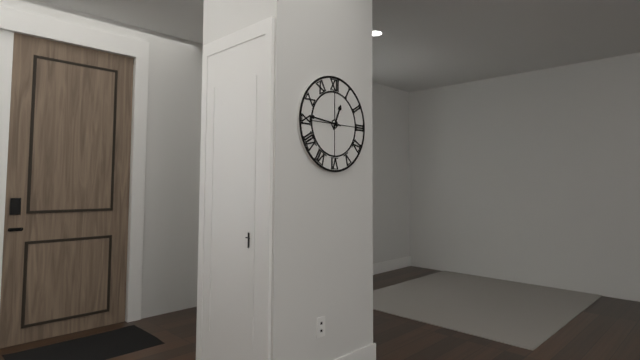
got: 12h46
